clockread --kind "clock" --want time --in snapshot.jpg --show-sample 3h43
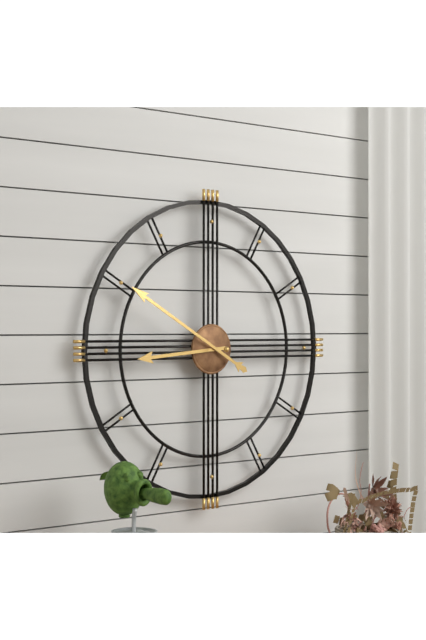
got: 8h50
